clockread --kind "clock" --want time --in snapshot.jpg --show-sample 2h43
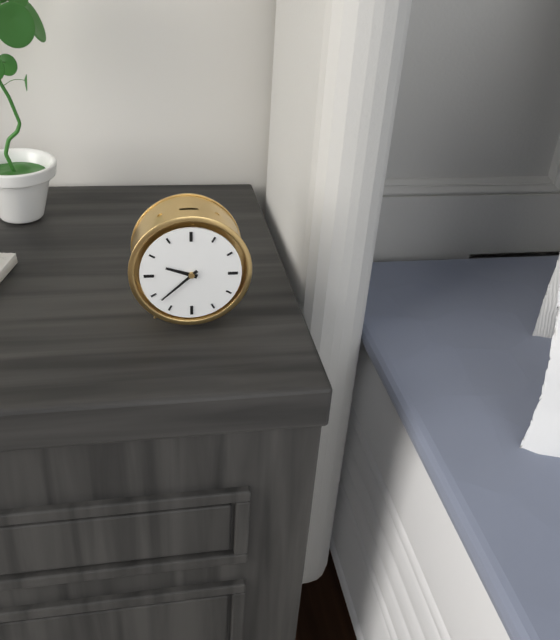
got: 9h38
